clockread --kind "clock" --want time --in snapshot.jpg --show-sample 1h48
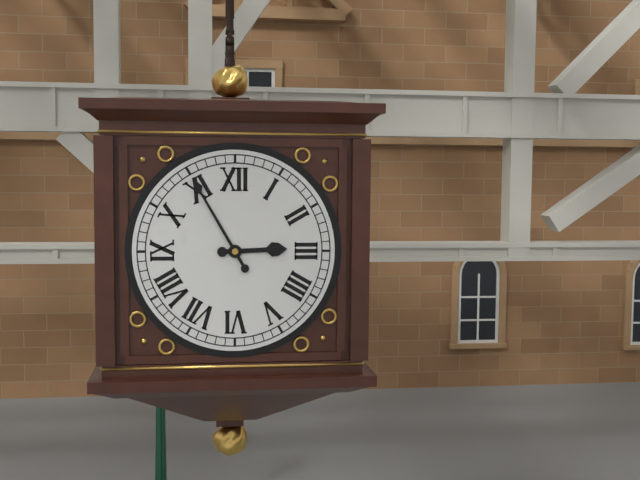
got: 2h55
